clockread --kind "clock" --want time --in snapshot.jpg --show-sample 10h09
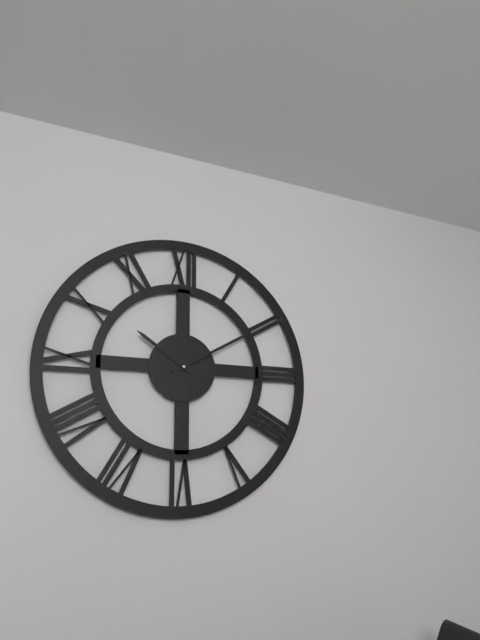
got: 10h10
